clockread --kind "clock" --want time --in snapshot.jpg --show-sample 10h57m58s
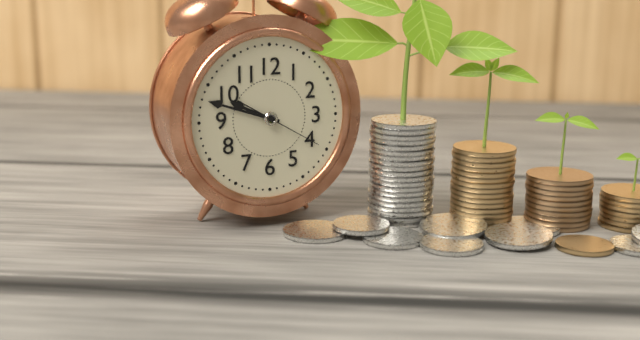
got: 9h48m20s
